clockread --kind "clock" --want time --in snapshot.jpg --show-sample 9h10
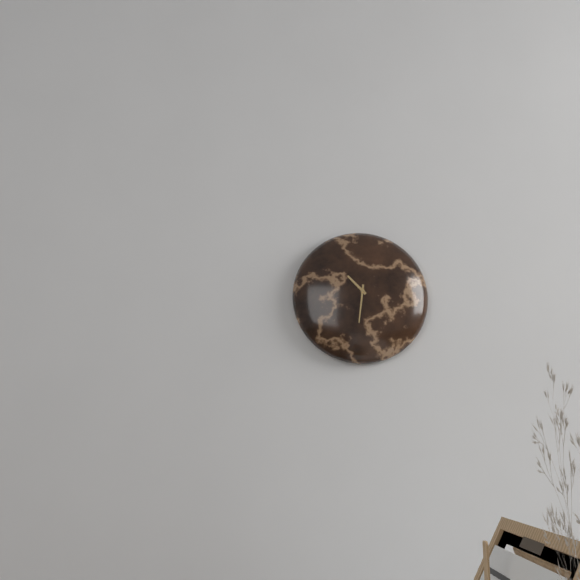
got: 10h31
